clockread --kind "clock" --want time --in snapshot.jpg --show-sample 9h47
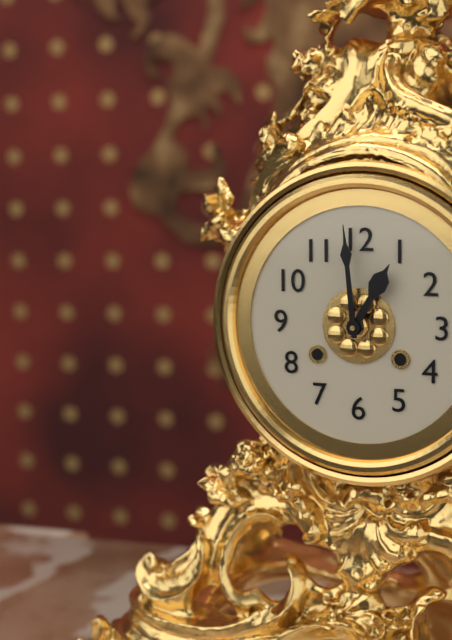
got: 12h59
